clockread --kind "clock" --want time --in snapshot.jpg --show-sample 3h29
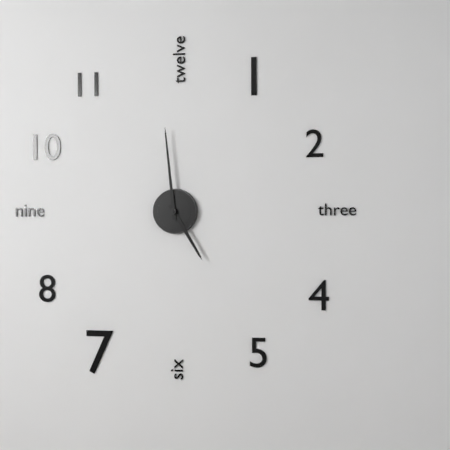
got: 4h59
